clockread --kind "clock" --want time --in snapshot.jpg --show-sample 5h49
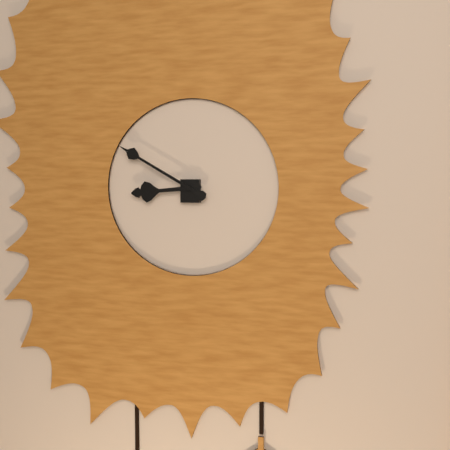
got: 8h50
